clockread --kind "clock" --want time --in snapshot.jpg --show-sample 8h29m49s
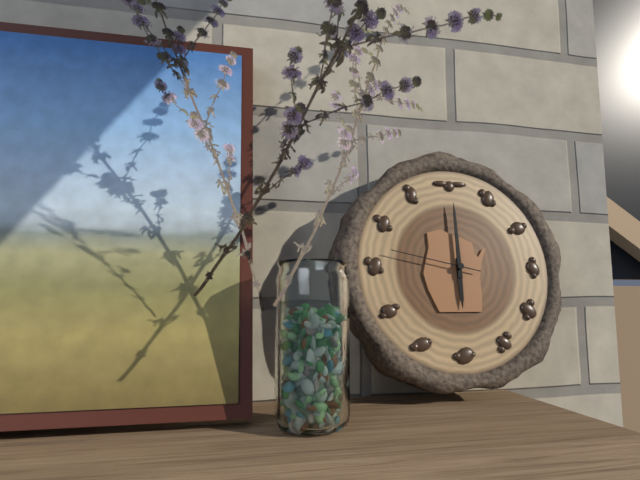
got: 6h00m47s
